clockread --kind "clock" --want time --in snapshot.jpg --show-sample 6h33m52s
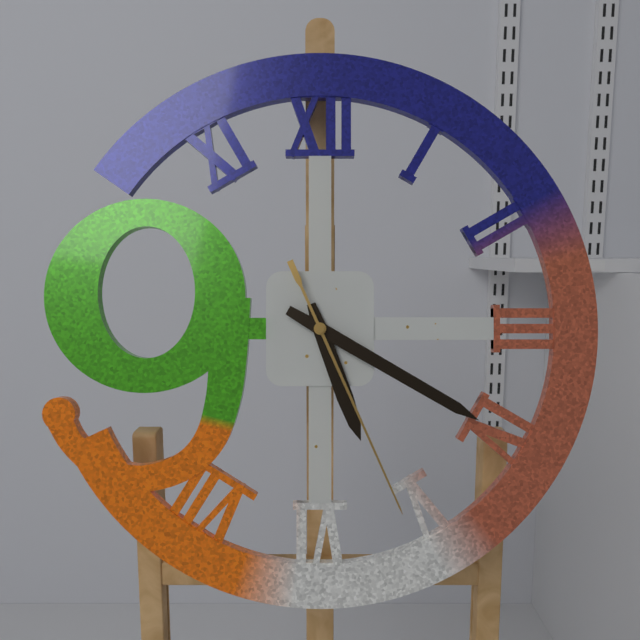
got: 5h20m26s
